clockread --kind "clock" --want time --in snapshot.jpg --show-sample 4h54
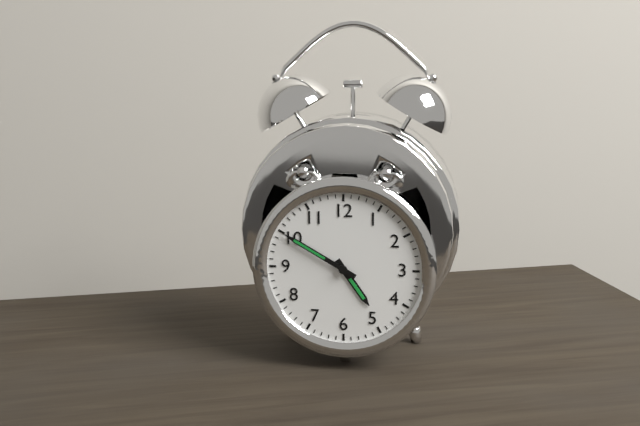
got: 4h50
